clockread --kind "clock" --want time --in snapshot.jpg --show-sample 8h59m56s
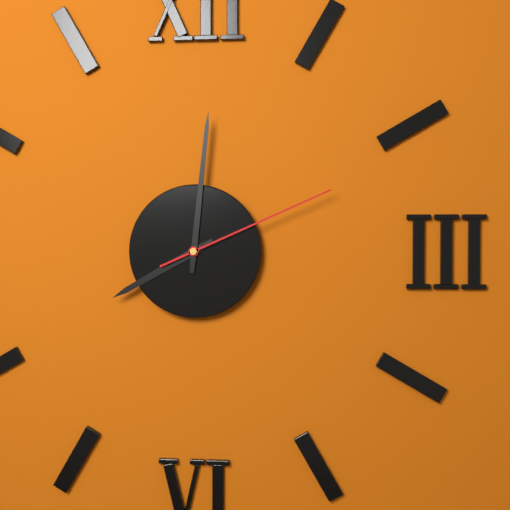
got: 8h01m11s
